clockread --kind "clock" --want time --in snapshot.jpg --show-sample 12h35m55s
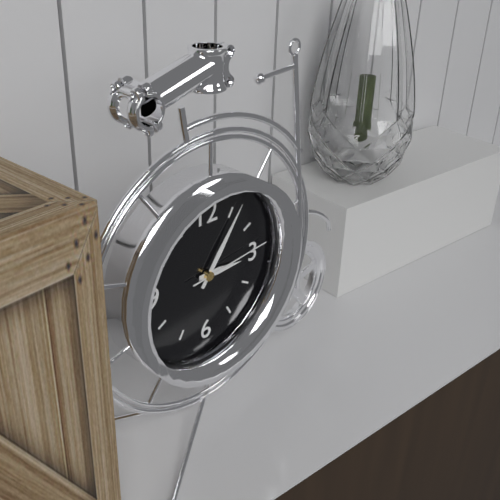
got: 3h06m14s
